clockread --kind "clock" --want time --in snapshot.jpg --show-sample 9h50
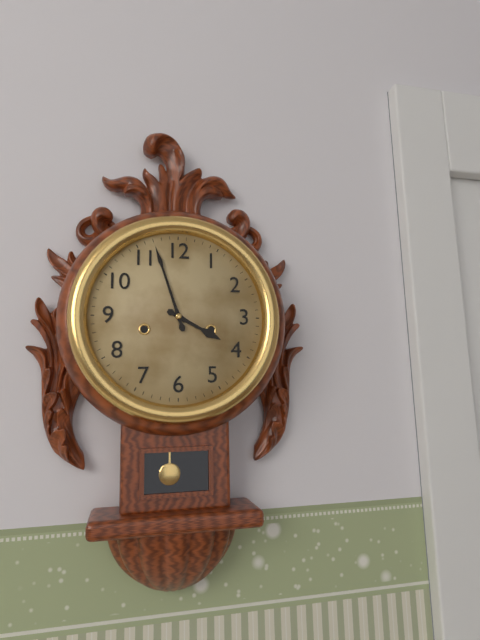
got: 3h57
